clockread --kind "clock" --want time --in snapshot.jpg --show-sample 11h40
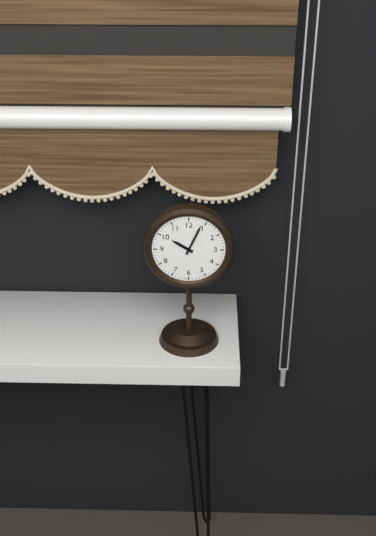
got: 10h04
